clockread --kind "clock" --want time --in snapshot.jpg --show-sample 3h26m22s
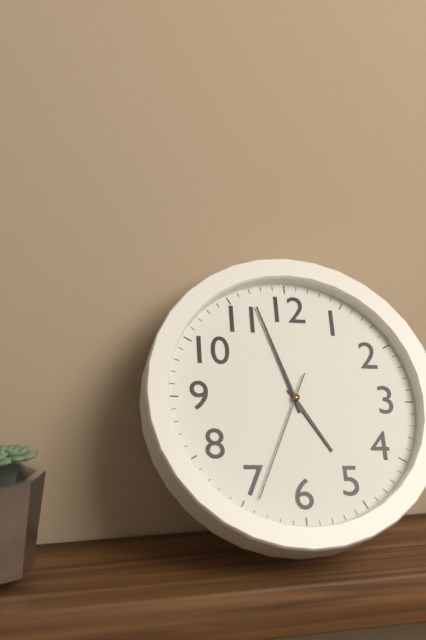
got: 4h57m34s
